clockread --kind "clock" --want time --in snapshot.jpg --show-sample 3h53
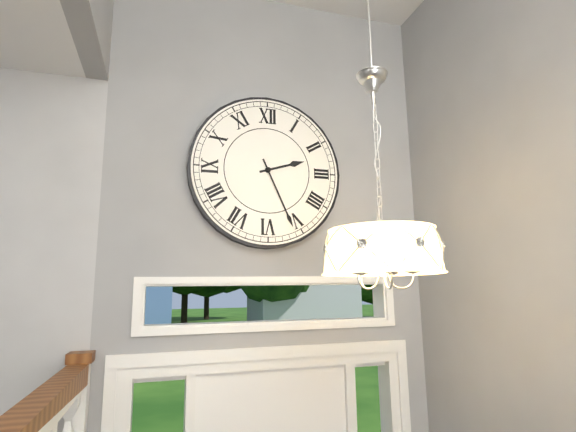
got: 2h26
